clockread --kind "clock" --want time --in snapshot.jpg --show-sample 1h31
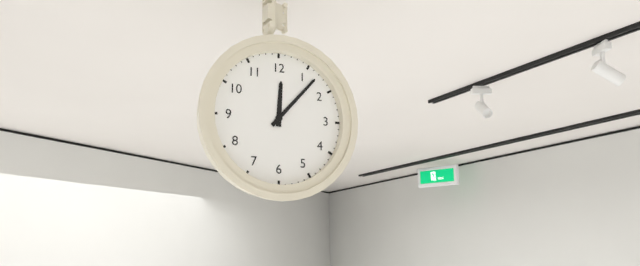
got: 12h07
